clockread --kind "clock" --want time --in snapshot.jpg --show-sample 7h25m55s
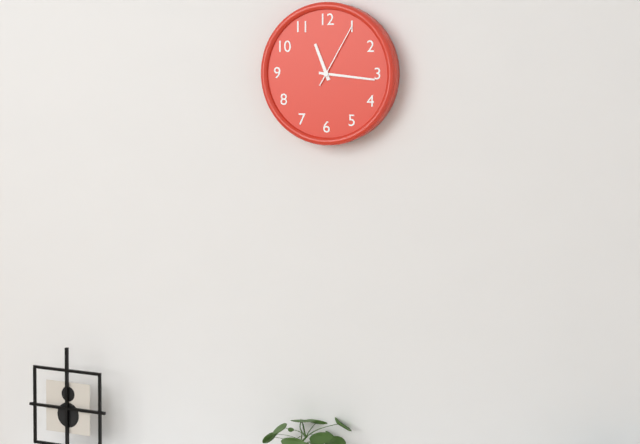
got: 11h16m05s
